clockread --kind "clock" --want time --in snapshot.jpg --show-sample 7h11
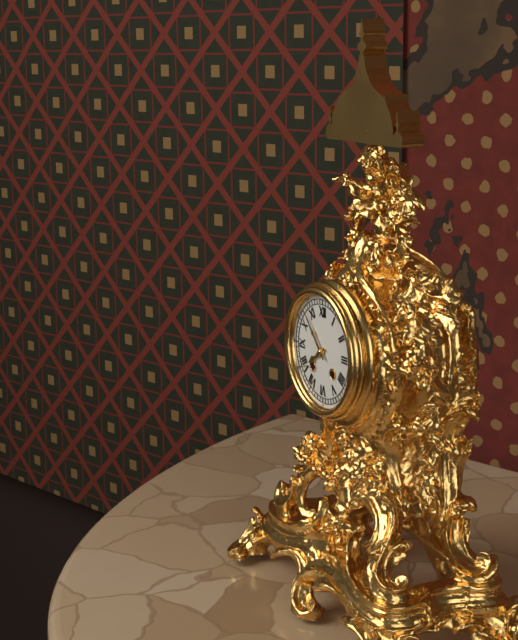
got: 7h53
